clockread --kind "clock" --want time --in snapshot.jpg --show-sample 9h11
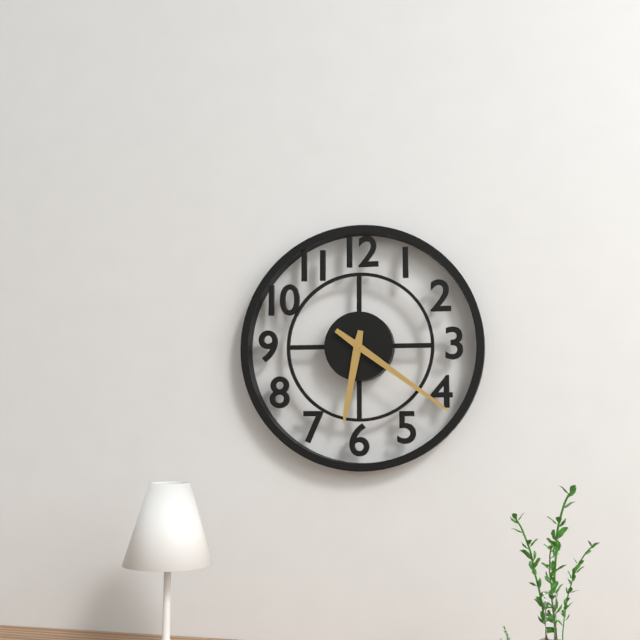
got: 6h21
